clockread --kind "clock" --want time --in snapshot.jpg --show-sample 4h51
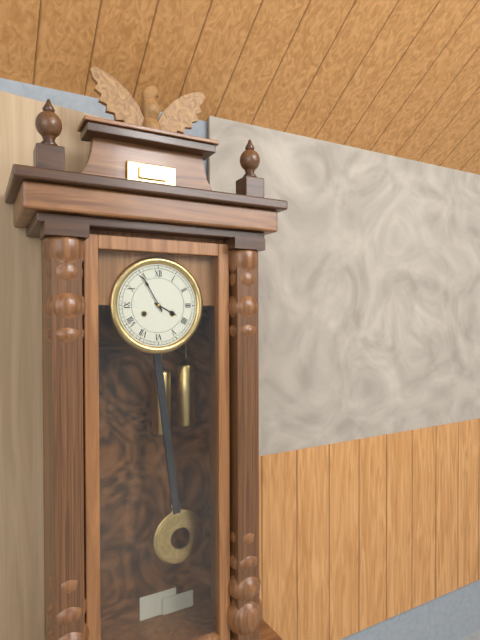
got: 3h55
